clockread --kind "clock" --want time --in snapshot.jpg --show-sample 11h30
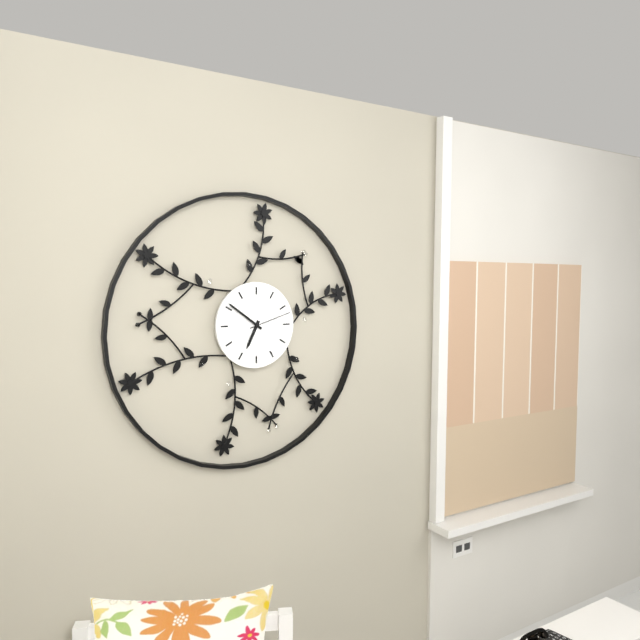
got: 6h51
